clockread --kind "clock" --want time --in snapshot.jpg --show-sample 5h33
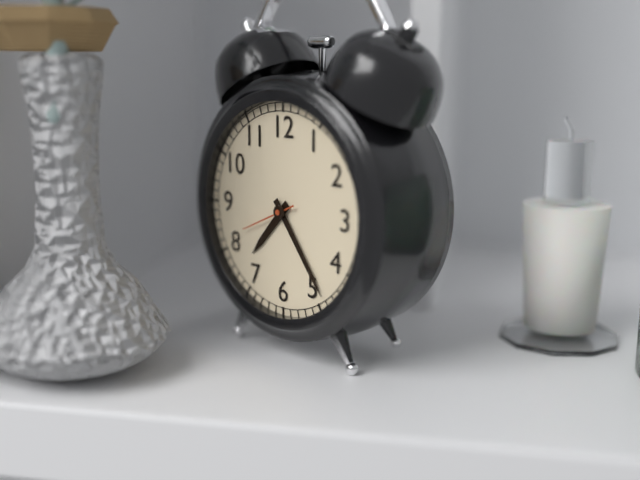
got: 7h24
